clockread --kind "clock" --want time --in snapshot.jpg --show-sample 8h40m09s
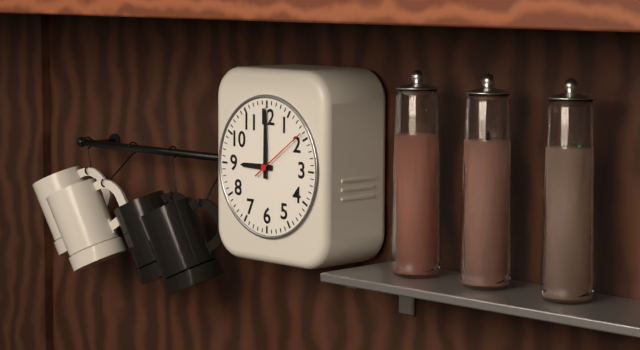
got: 9h00m09s
